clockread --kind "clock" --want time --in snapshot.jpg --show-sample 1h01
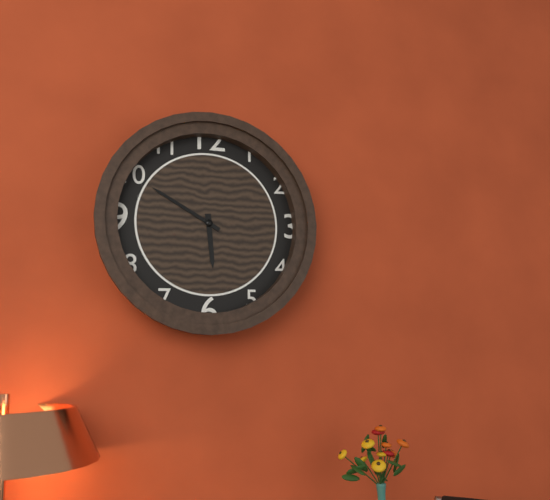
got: 5h50
